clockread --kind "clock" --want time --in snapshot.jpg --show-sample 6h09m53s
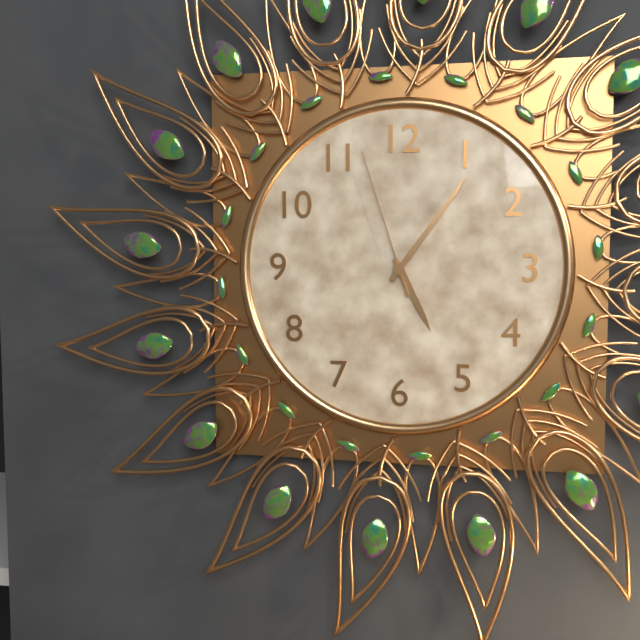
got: 5h06m57s
